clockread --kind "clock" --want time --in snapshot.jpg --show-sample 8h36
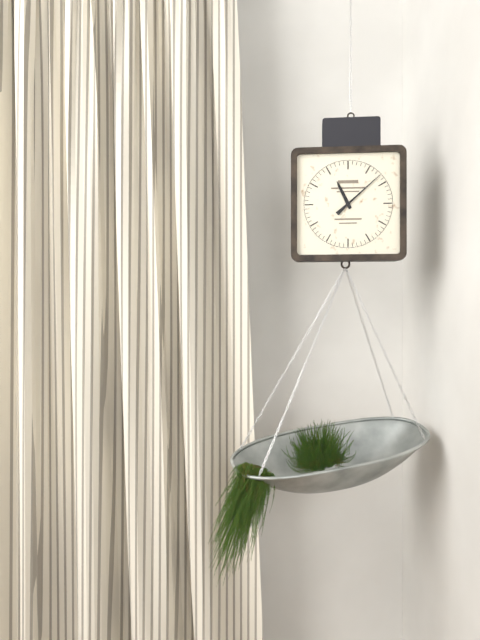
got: 11h08
